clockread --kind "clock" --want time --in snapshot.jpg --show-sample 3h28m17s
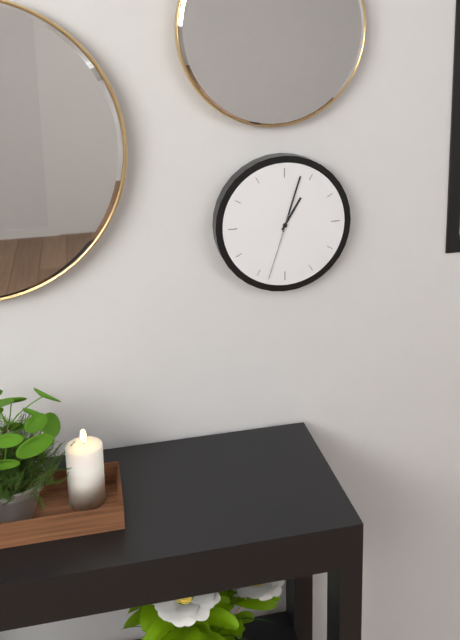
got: 1h03m33s
